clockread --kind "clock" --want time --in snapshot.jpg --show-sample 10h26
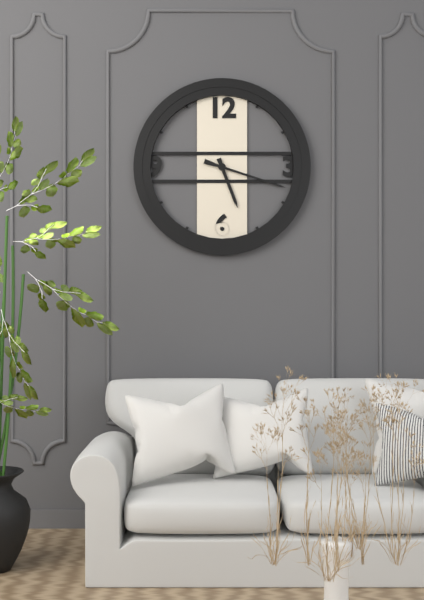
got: 5h18
